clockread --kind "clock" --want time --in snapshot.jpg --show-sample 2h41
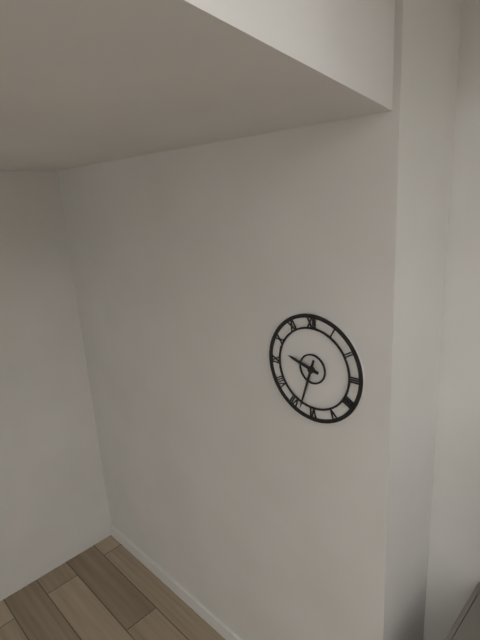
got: 9h33
